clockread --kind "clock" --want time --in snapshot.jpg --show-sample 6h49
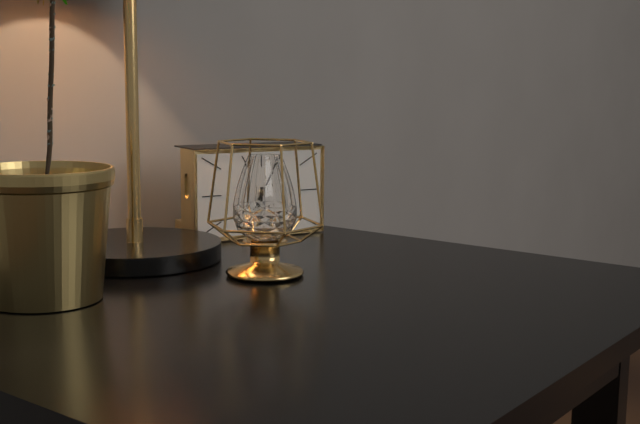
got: 6h05
